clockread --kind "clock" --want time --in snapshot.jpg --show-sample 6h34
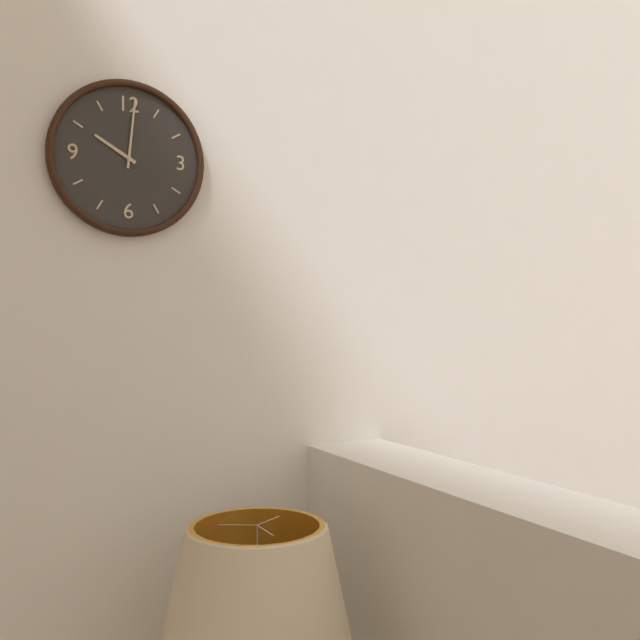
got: 10h01
